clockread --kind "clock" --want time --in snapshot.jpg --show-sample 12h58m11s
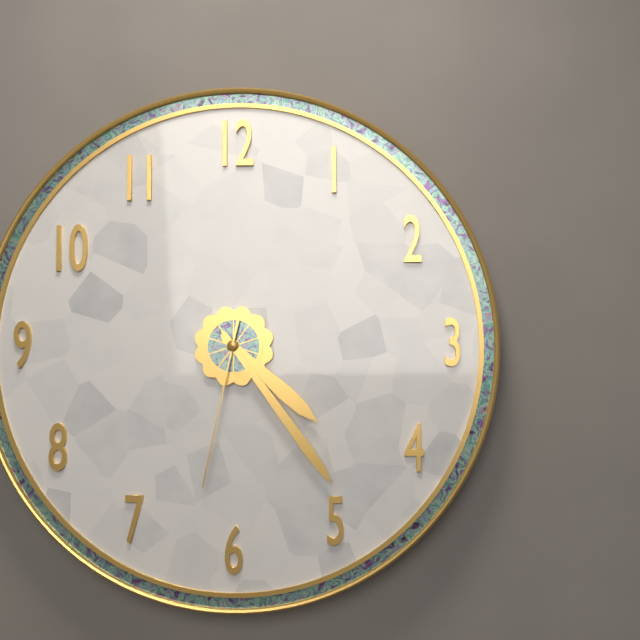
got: 4h24m32s
